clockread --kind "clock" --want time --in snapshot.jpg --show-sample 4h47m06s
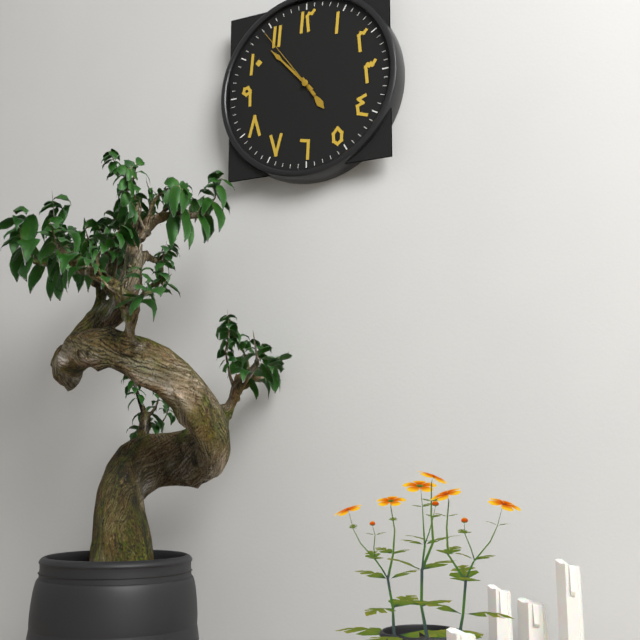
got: 4h53m54s
